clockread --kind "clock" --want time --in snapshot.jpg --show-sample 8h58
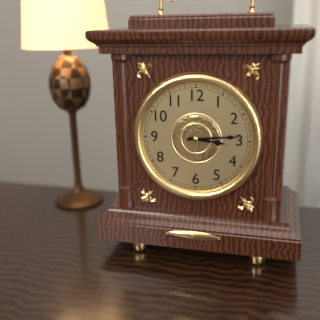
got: 3h14
